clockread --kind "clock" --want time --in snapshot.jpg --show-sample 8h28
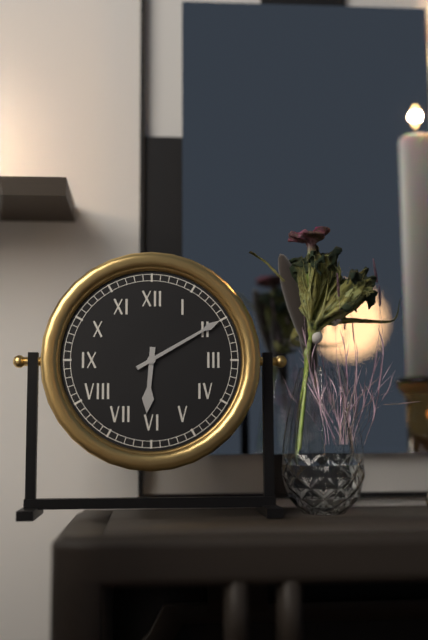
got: 6h10
